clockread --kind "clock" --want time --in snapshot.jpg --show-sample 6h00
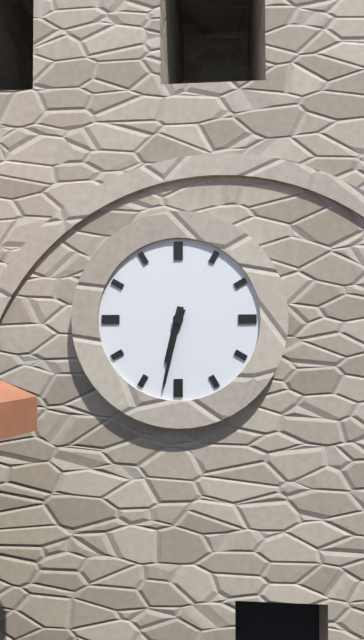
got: 6h32
